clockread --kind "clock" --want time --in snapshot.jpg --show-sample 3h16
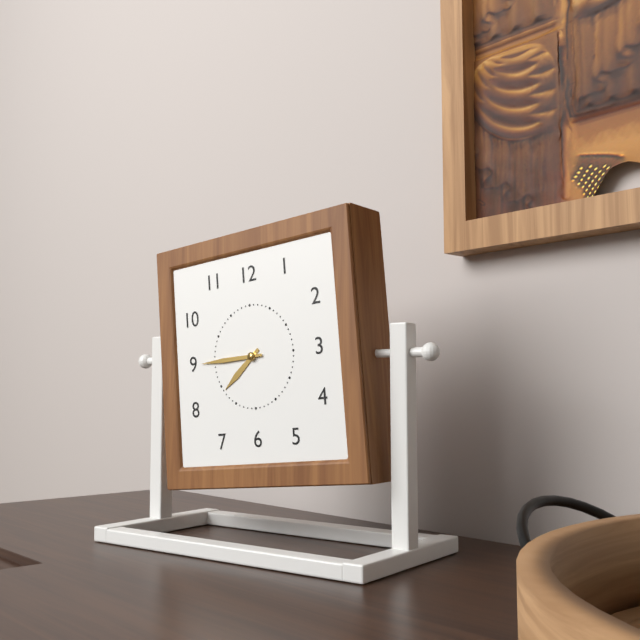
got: 7h45
